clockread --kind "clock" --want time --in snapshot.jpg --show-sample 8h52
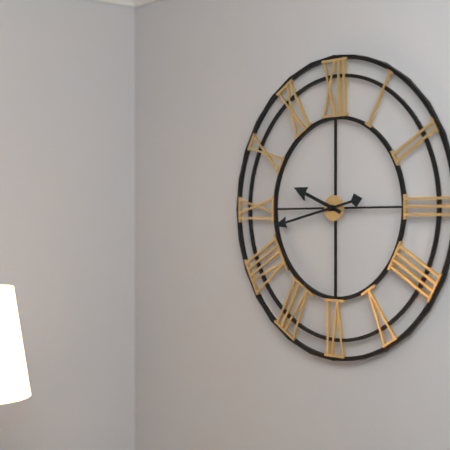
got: 9h43
